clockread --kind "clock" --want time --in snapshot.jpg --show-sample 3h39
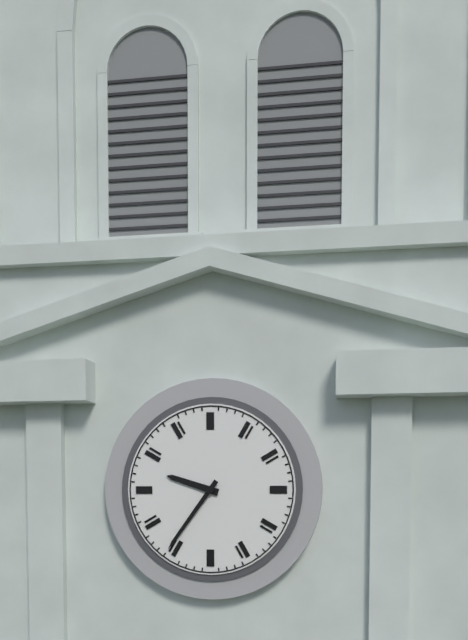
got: 9h36
